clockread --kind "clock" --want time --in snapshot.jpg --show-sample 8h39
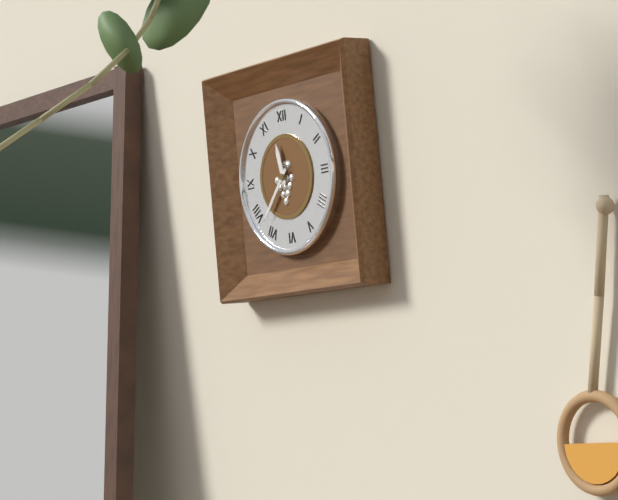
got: 11h37
